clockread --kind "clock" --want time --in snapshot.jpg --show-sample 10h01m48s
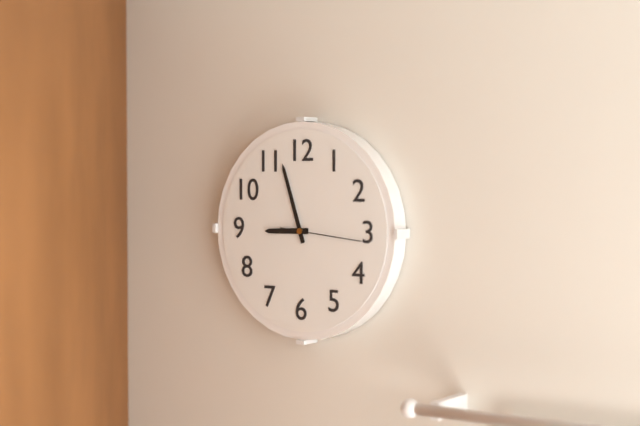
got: 8h57m16s
